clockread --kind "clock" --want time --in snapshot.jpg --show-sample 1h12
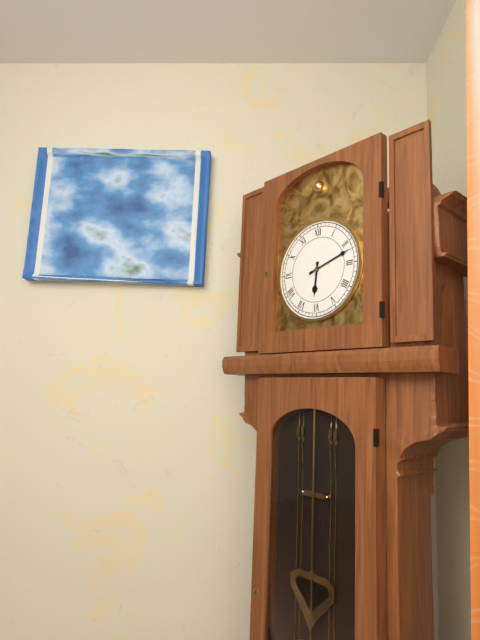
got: 6h12
